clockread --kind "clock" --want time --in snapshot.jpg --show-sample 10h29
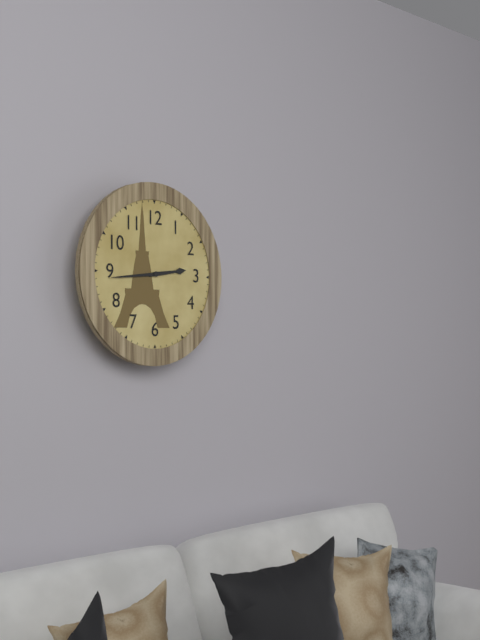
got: 2h44
